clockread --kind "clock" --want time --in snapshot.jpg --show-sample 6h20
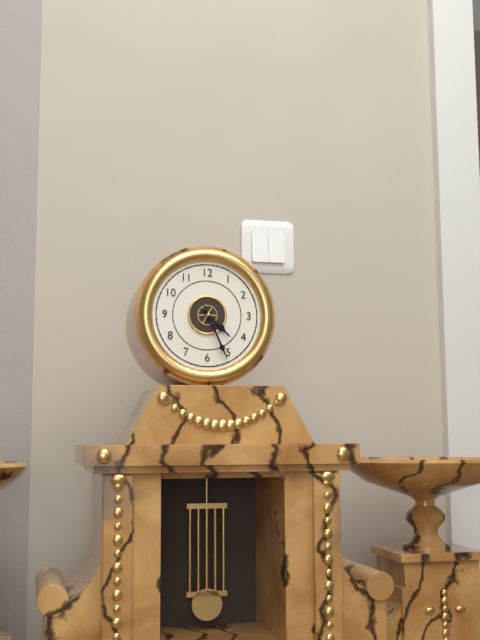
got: 4h26
